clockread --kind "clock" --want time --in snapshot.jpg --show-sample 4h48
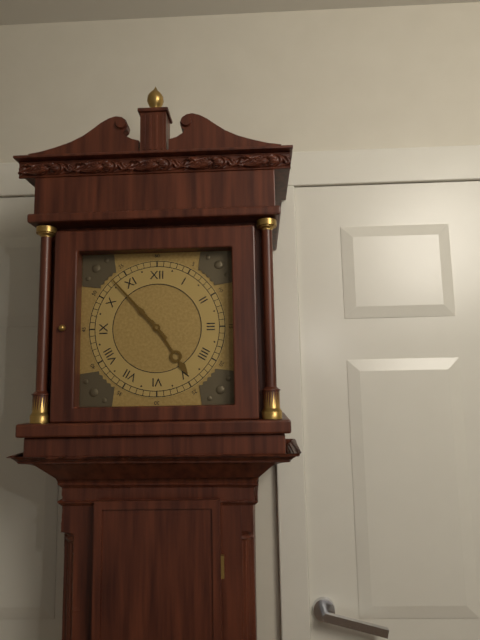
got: 4h53
